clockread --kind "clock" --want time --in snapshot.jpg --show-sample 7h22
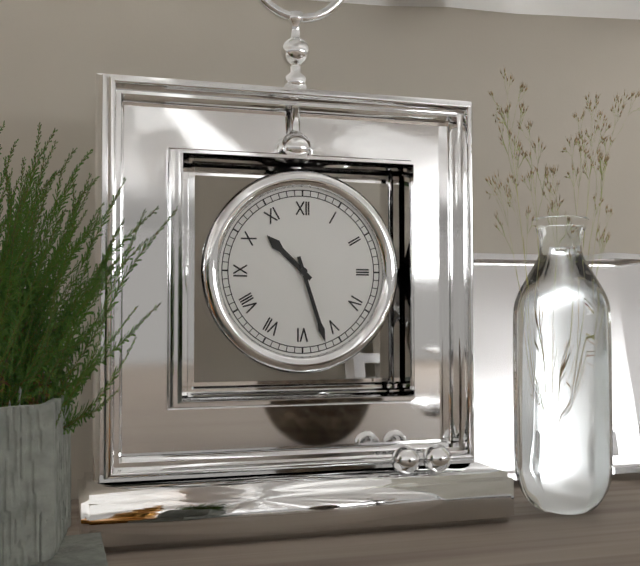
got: 10h27
